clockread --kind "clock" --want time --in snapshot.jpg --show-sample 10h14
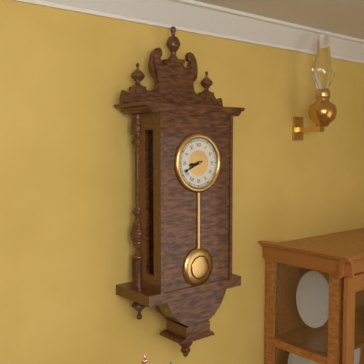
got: 8h41
